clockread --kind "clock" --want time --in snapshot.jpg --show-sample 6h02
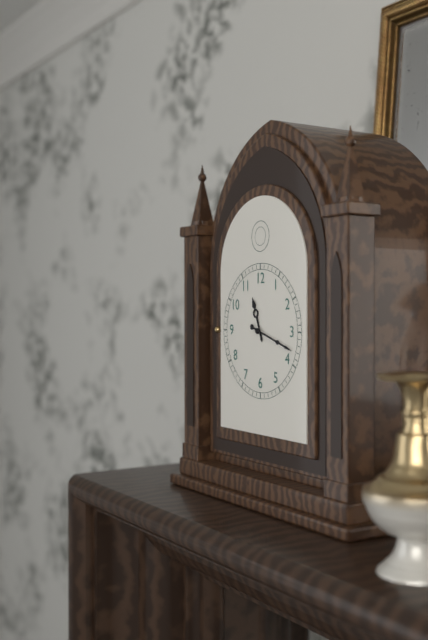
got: 11h18
